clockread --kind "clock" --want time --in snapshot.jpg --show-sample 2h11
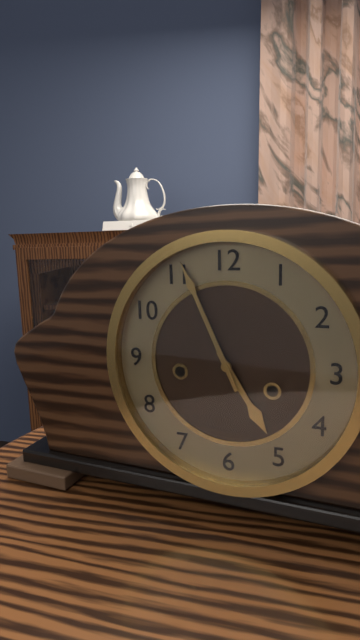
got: 4h56
